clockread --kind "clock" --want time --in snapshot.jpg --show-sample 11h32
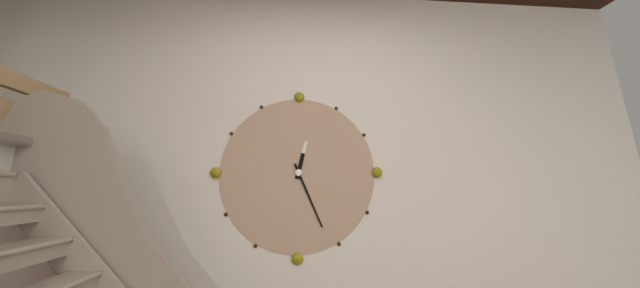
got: 12h26
